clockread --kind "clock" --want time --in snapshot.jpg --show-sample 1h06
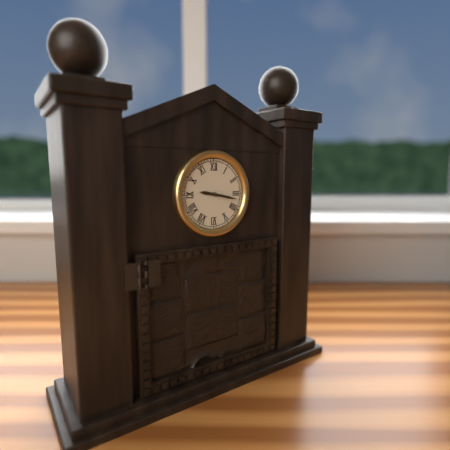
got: 9h17
